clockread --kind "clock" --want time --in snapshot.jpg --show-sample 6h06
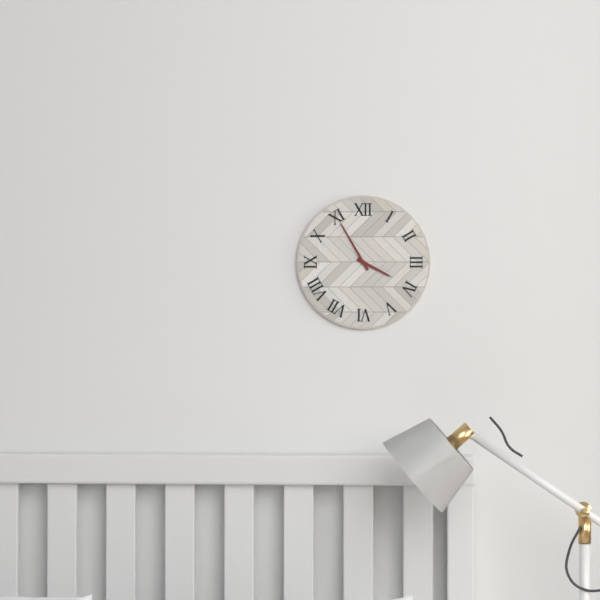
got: 3h55
